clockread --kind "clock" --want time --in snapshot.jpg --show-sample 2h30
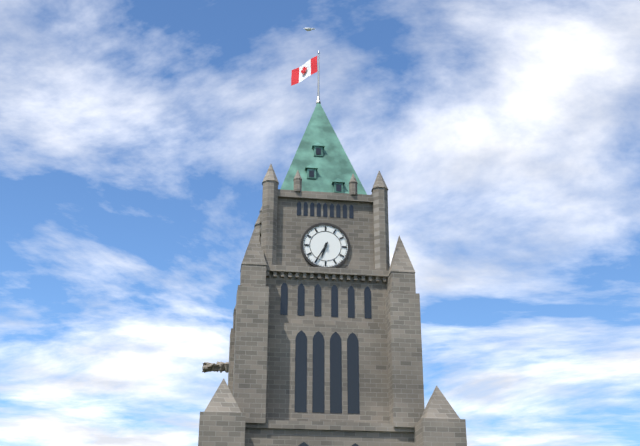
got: 6h35
